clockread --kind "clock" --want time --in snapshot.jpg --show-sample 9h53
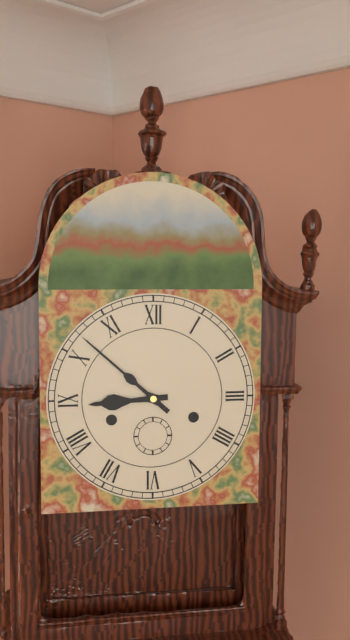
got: 8h52
